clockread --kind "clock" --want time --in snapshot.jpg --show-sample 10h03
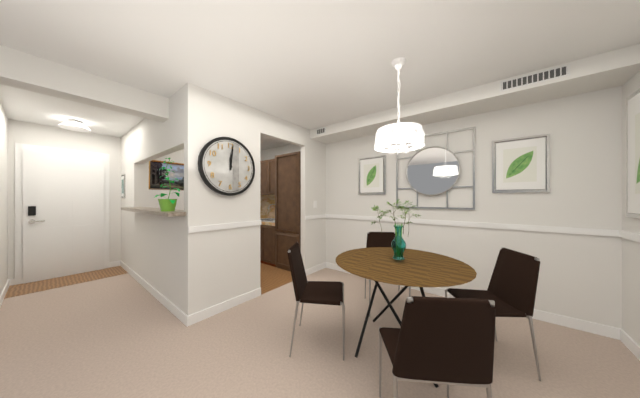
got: 12h01
